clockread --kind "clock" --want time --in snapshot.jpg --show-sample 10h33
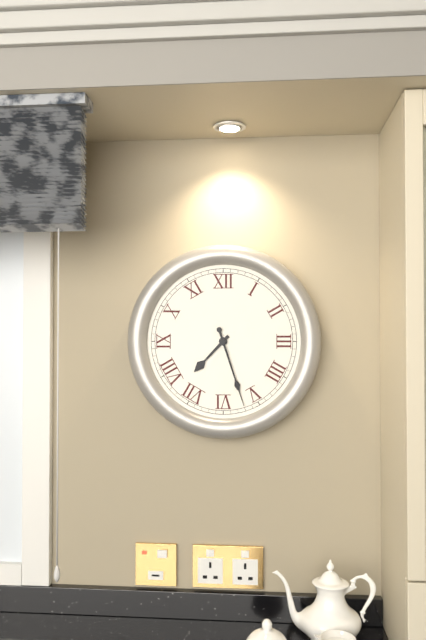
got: 7h27
